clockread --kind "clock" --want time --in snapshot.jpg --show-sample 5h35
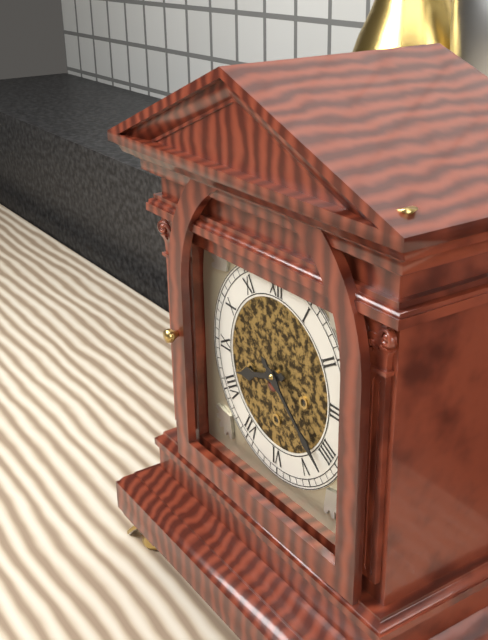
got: 8h22
